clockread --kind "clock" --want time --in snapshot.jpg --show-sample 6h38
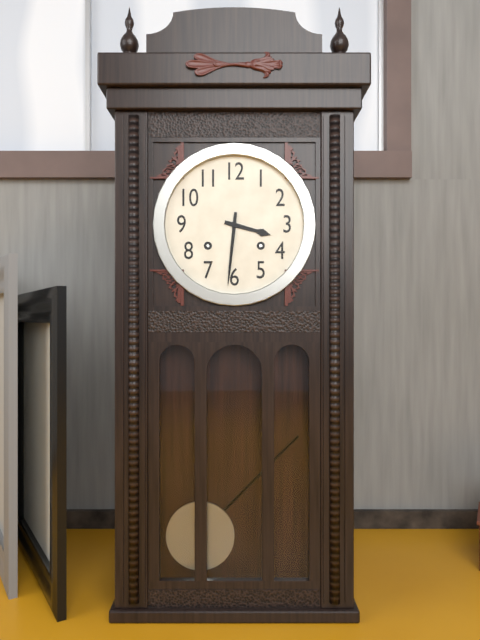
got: 3h31
